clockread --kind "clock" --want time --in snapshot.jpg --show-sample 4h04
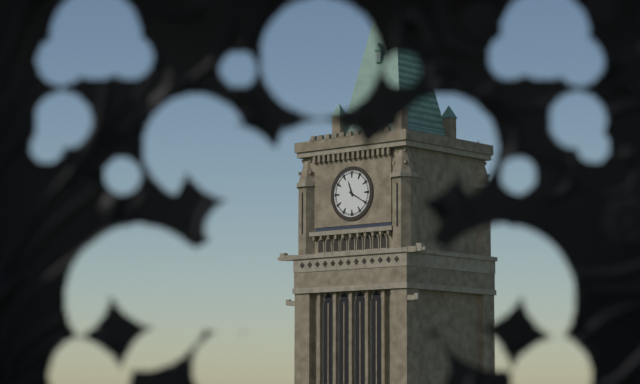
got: 11h20
